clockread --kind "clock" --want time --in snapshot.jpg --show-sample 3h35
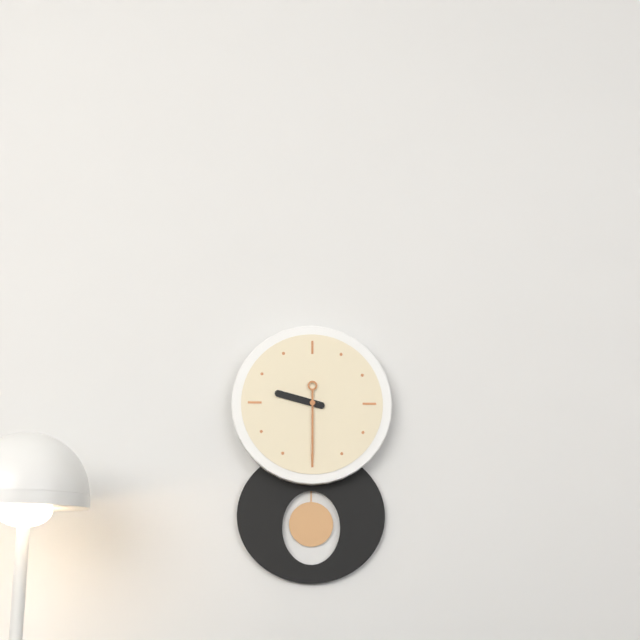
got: 9h30
